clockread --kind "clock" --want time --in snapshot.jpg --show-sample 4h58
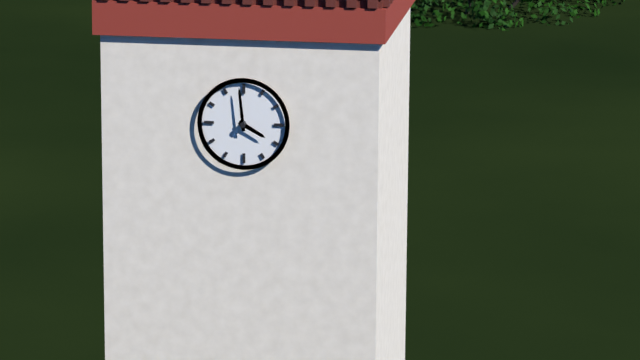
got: 3h59
